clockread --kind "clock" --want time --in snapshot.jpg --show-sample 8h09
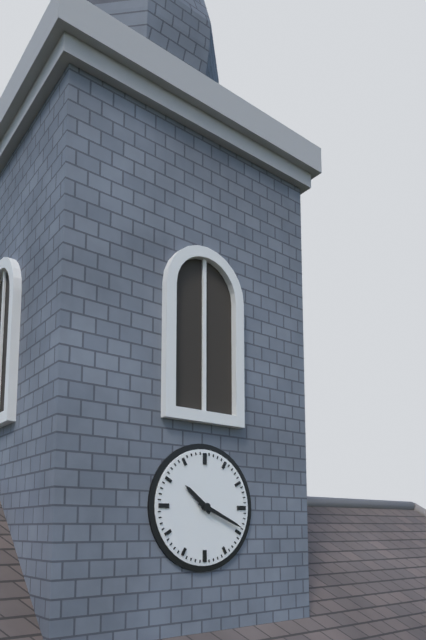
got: 10h19
